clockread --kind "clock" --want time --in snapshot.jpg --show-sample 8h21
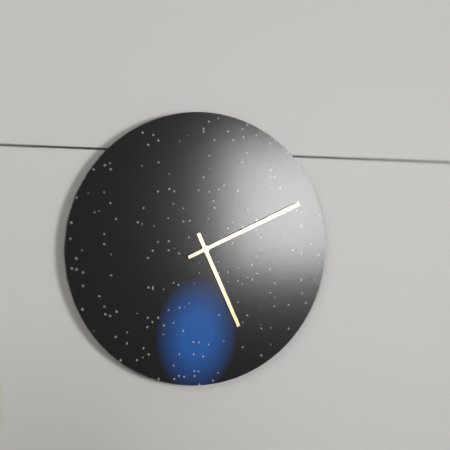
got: 5h11
